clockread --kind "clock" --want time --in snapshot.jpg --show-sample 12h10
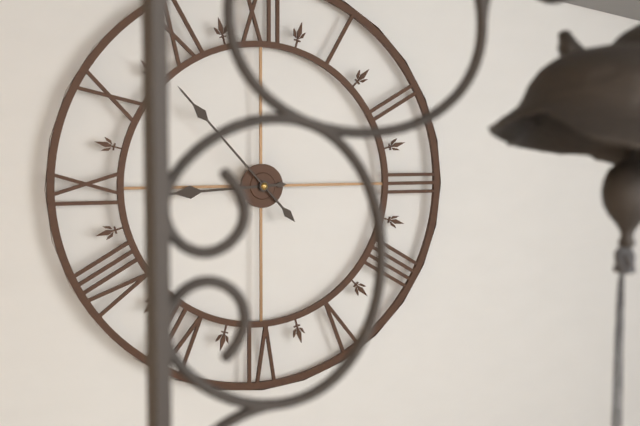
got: 8h53
